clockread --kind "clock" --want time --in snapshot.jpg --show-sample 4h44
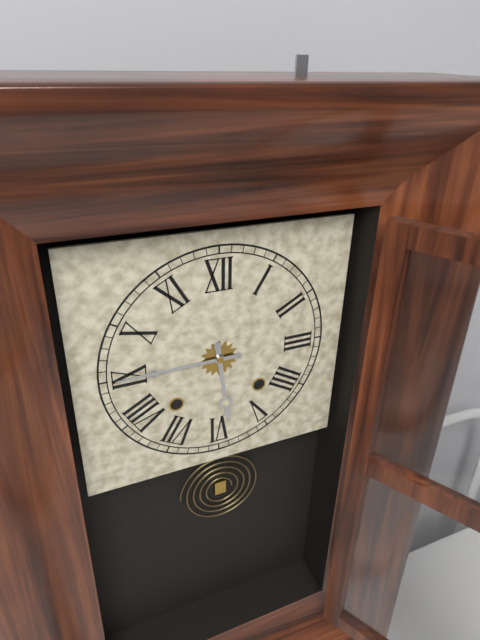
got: 5h45
